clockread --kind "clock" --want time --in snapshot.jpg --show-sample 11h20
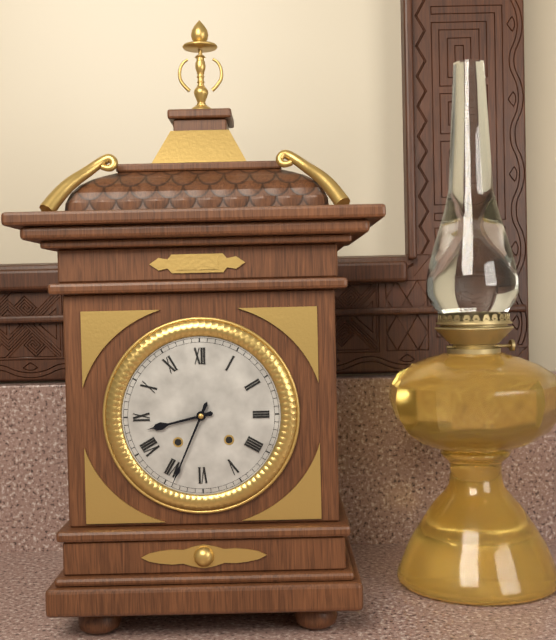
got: 8h34
